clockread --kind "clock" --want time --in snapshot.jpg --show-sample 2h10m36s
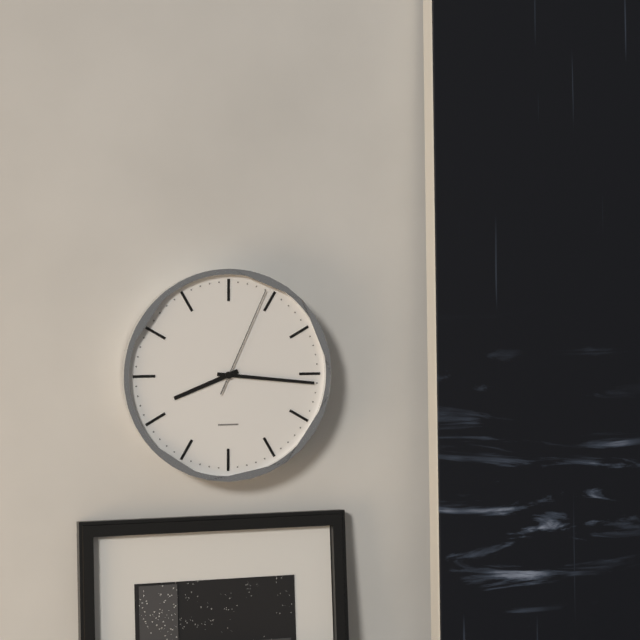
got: 8h16m04s
